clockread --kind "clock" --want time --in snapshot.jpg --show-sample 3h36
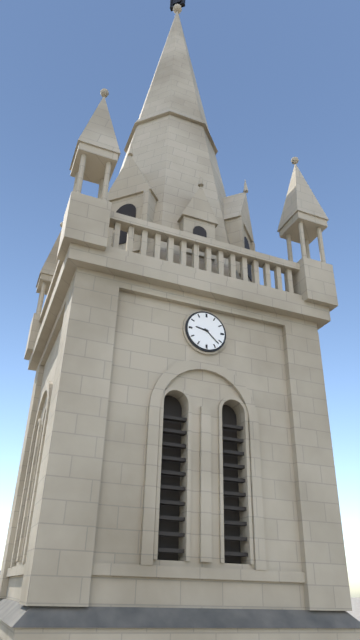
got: 9h22
